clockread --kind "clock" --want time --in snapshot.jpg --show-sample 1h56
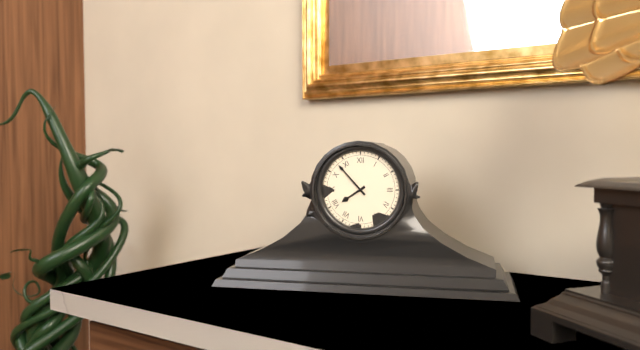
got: 7h53
